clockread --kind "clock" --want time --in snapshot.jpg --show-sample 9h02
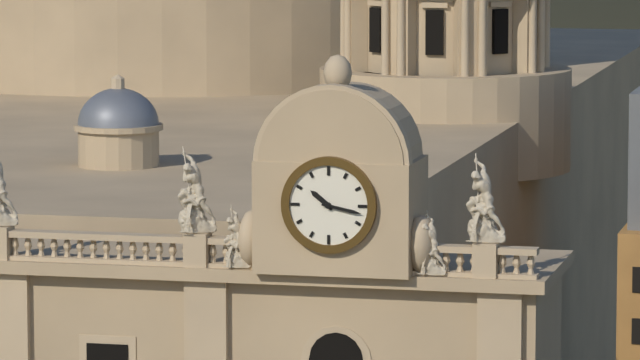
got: 10h17
